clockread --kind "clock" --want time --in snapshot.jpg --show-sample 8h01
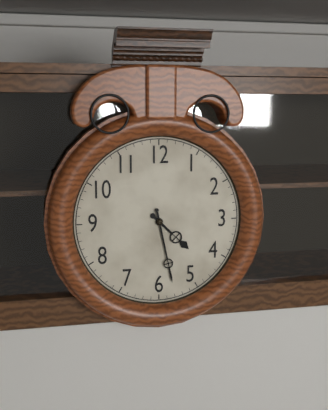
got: 4h28
